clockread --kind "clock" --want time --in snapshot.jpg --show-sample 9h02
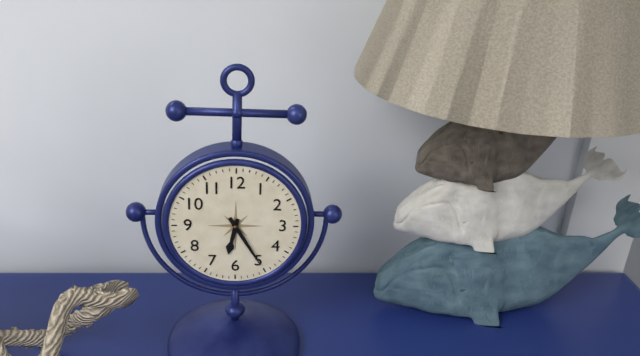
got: 6h25
